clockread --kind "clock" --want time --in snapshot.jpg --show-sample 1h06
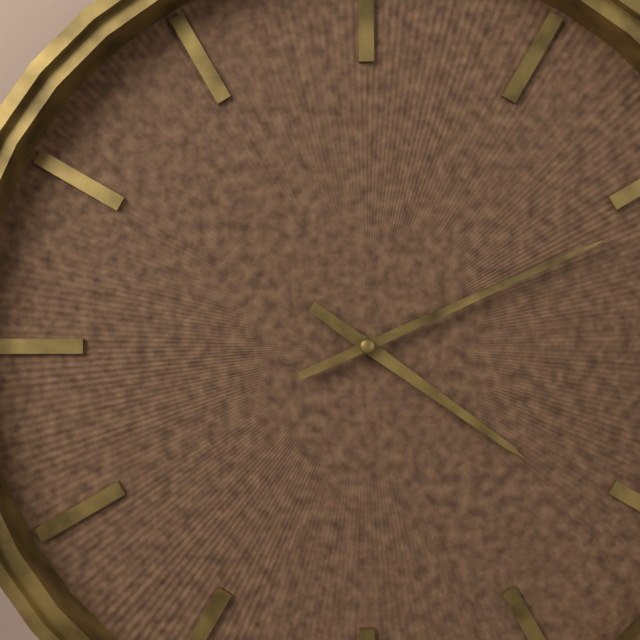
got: 4h11
